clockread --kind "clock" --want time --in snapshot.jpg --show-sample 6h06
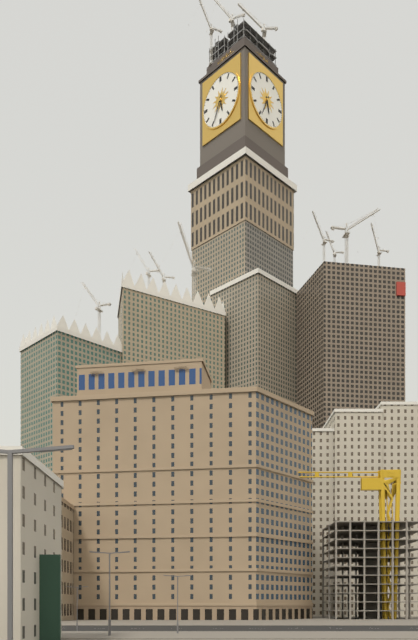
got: 5h34
